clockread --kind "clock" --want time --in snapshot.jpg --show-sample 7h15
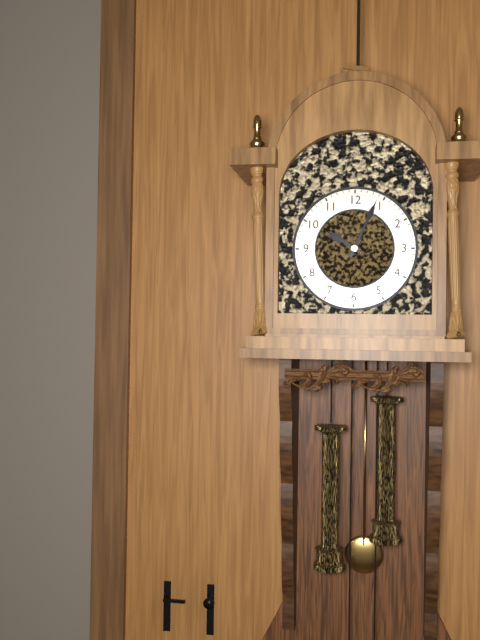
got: 10h04
